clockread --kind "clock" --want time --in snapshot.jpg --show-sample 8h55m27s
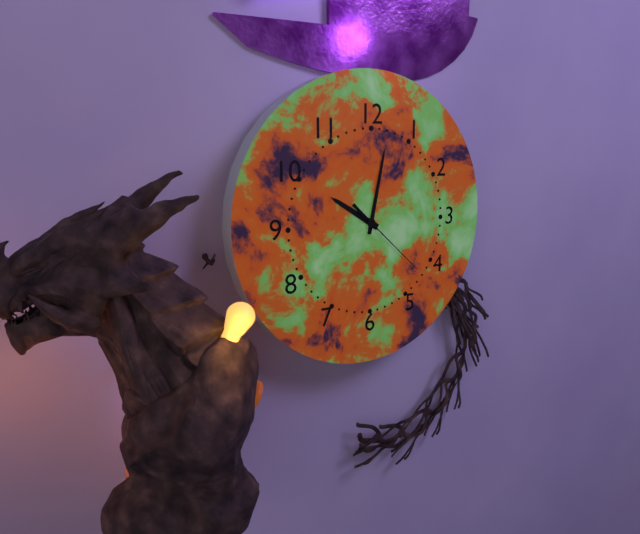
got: 10h02m22s
